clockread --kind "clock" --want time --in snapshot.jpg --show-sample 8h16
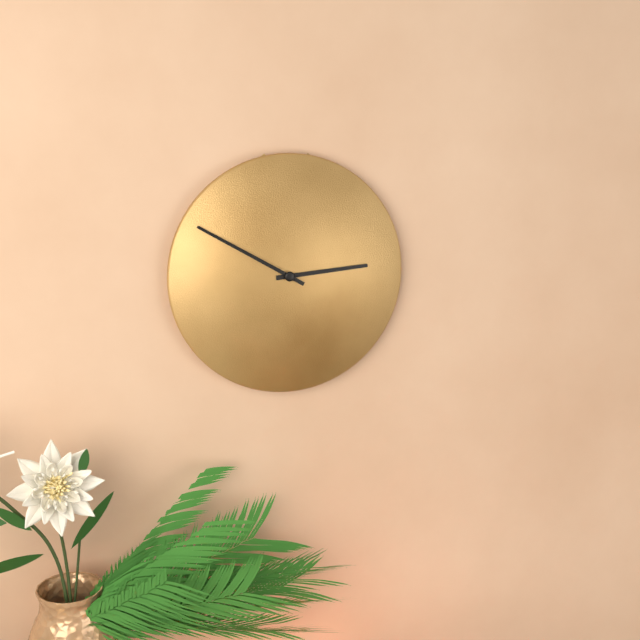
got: 2h50
